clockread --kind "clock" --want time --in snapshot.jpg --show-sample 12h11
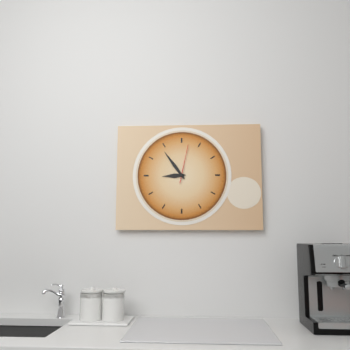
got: 8h54
